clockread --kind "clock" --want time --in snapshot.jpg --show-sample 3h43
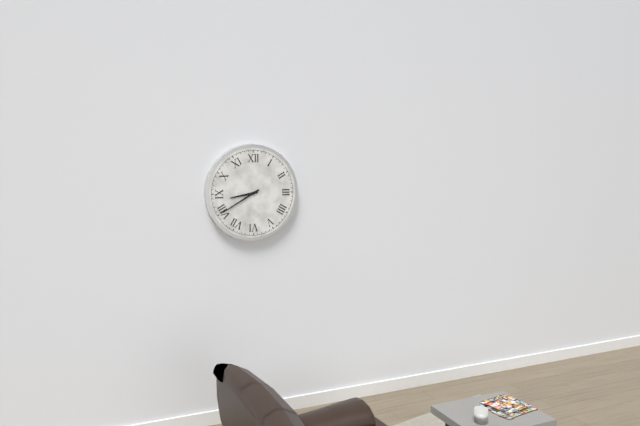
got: 8h40
